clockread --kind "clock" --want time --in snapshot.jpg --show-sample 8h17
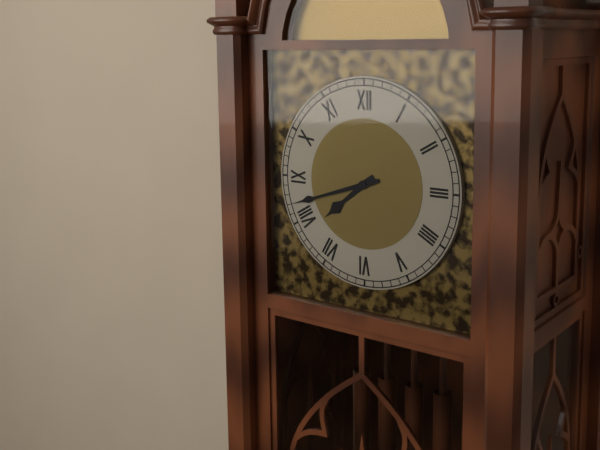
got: 7h42
